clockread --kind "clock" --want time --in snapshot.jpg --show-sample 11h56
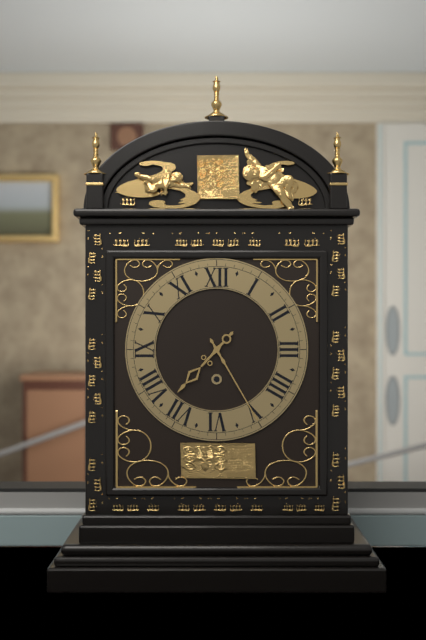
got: 7h25
